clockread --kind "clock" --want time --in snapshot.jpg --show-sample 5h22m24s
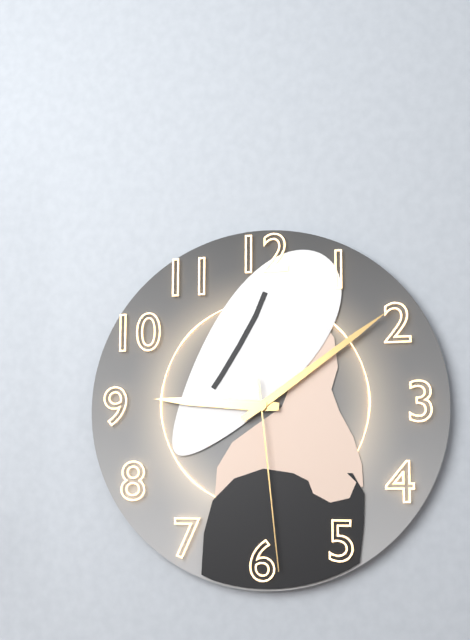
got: 9h09m29s
